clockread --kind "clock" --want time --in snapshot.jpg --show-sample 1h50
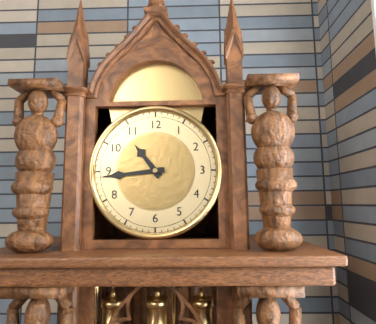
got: 10h44
